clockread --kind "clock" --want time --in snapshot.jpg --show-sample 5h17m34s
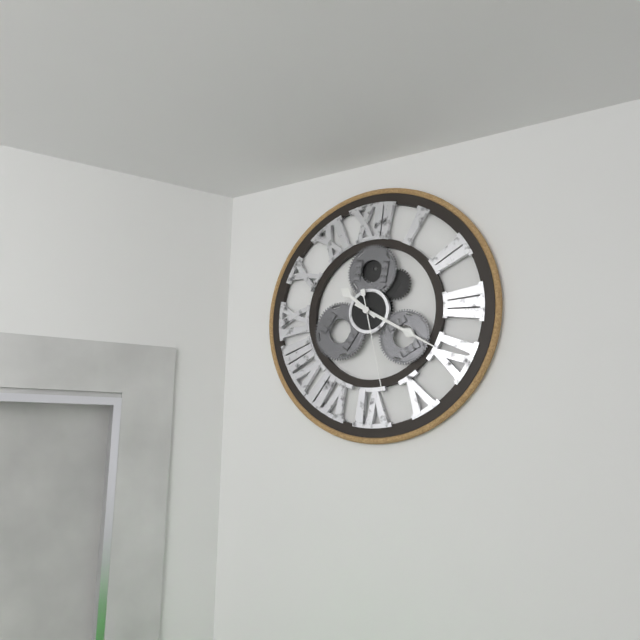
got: 10h20m28s
